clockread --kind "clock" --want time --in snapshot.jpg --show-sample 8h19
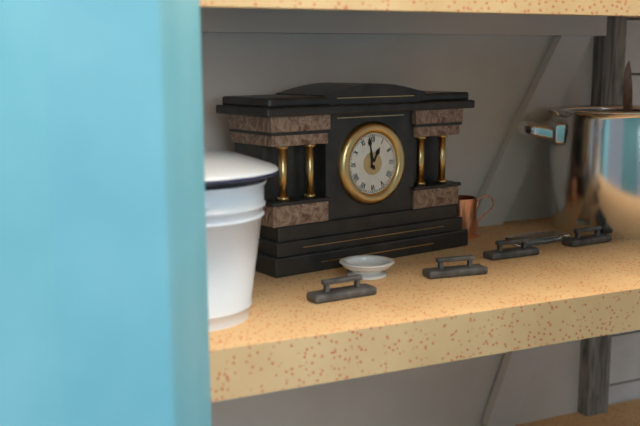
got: 12h58
